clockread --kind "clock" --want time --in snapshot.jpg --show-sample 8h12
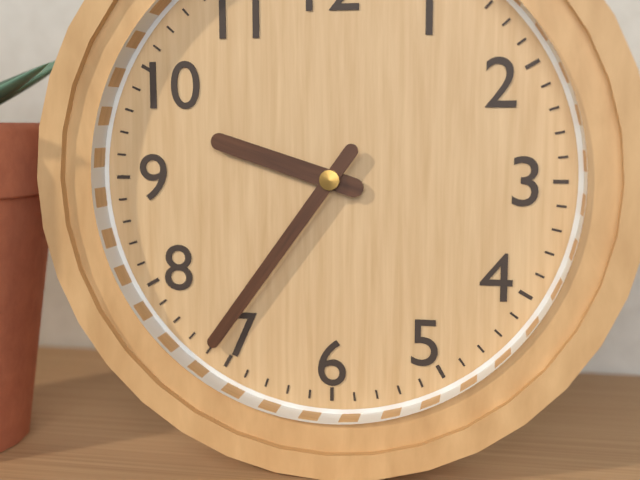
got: 9h36
